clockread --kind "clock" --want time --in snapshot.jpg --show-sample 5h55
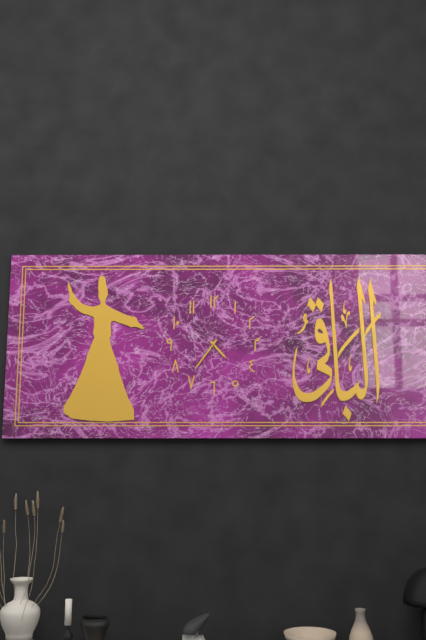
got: 4h36
